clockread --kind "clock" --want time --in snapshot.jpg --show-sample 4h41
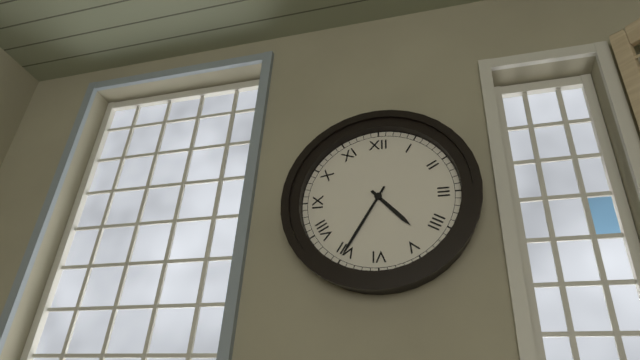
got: 4h35
